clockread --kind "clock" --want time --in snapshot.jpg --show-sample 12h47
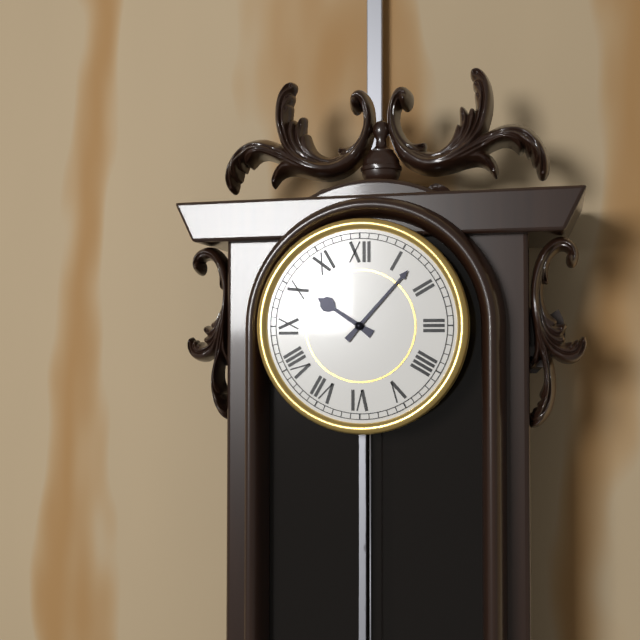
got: 10h07
